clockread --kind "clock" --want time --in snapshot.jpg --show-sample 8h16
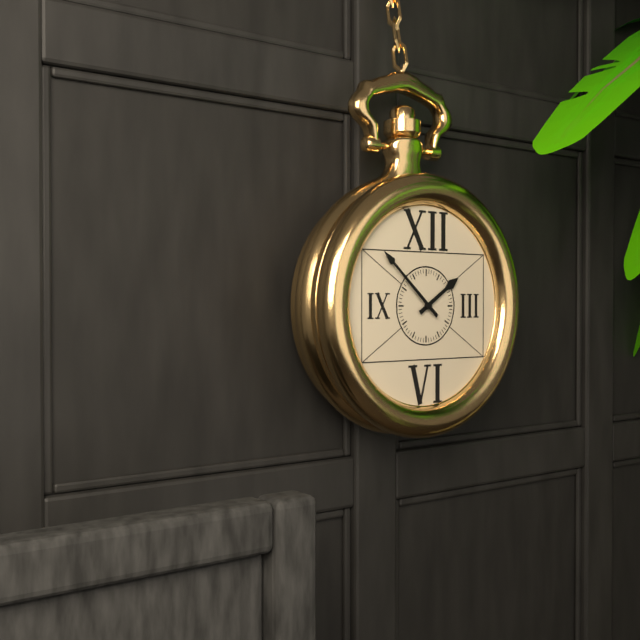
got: 1h52
